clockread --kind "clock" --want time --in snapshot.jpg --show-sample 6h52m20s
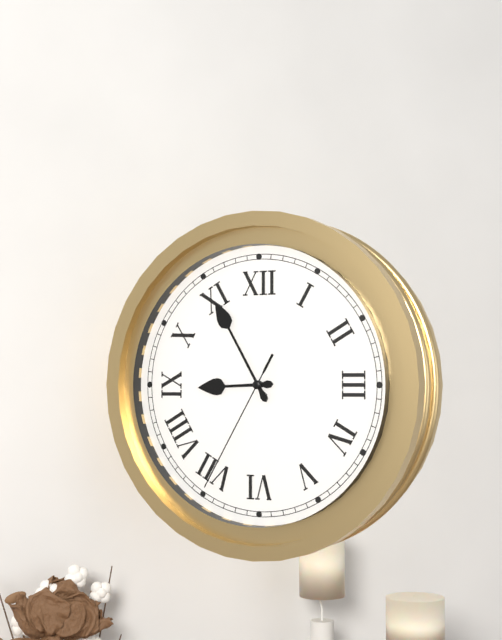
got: 8h55m35s
